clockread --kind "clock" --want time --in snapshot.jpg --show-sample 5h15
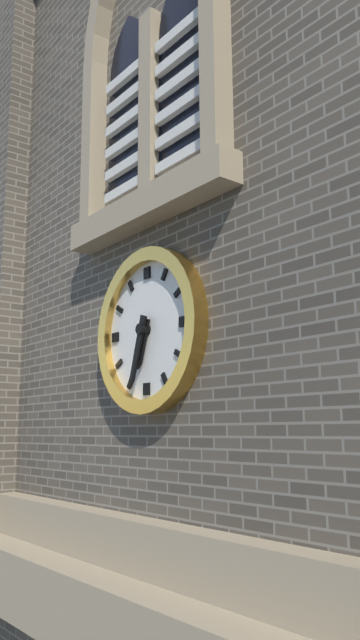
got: 6h33
